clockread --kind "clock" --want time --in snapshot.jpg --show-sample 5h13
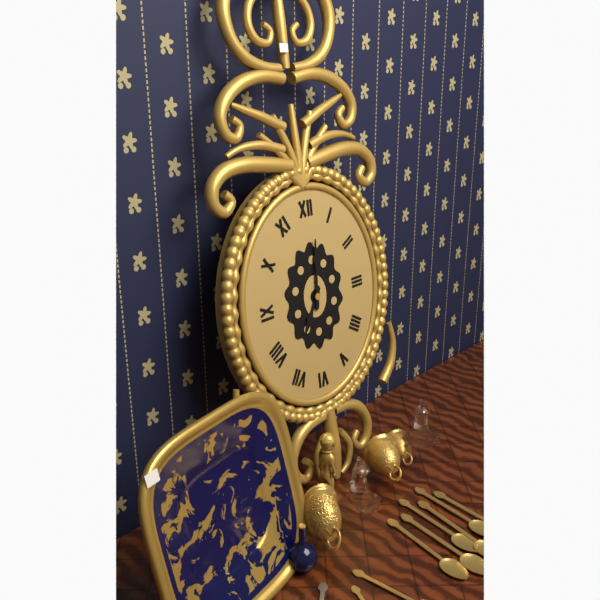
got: 7h01
